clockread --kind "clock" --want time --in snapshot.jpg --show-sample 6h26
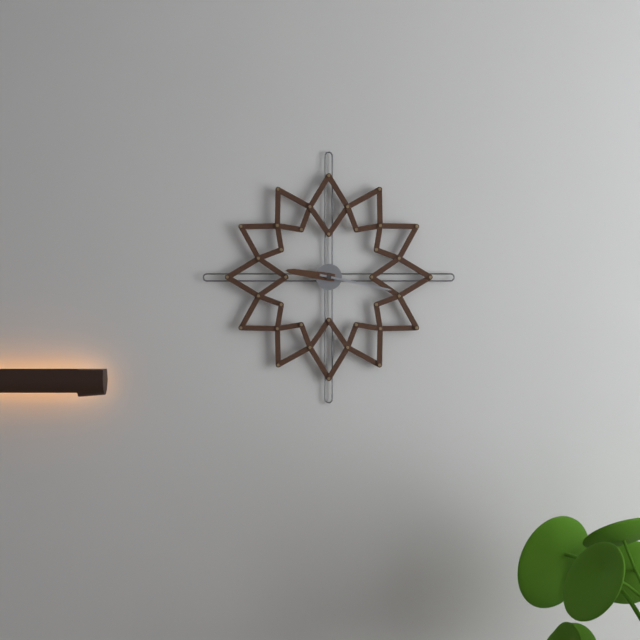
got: 9h17
